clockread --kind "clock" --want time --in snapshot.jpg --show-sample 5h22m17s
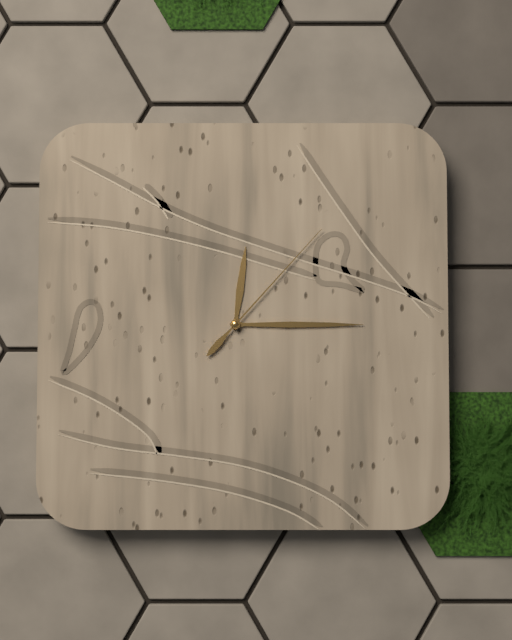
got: 12h15m07s
